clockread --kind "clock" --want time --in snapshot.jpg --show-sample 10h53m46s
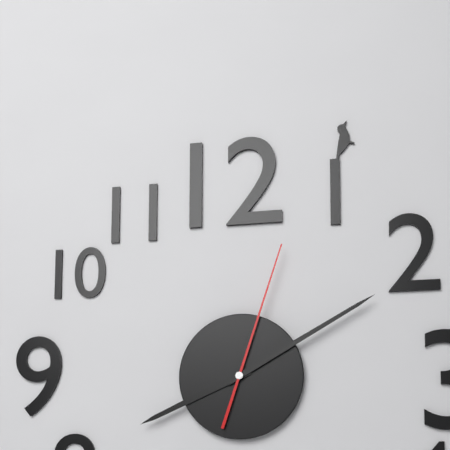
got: 8h10m03s
